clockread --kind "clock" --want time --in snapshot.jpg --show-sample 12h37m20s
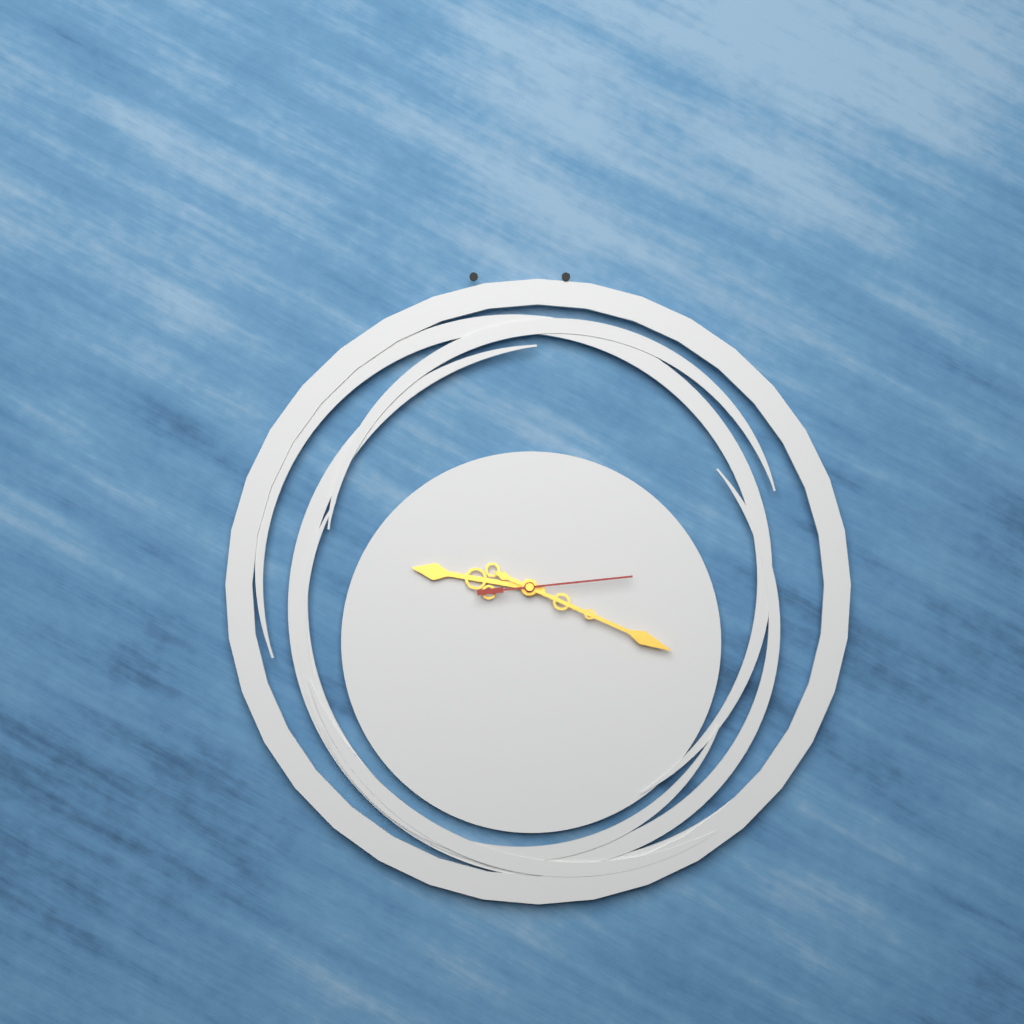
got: 9h19m14s
